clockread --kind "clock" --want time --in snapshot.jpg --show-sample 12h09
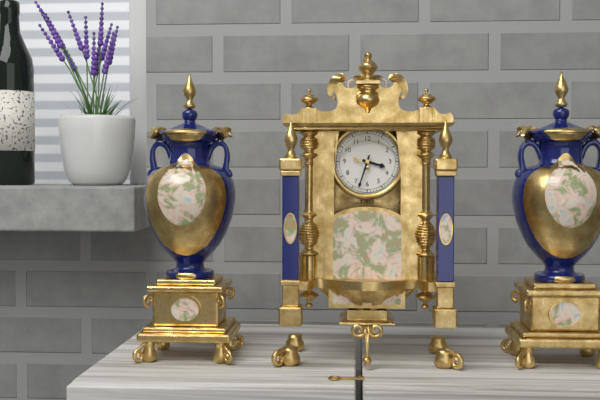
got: 3h33
